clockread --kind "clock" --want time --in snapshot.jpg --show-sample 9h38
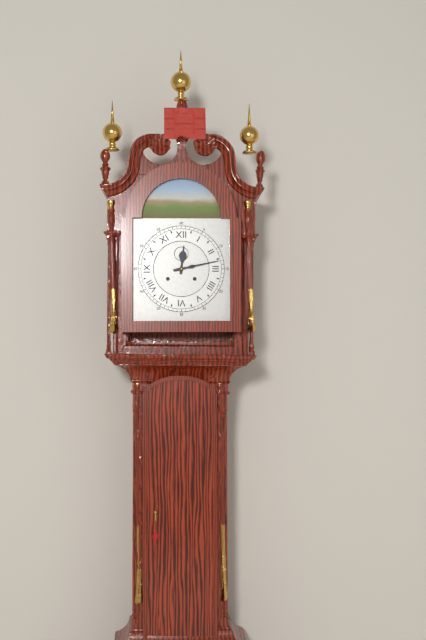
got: 12h13
